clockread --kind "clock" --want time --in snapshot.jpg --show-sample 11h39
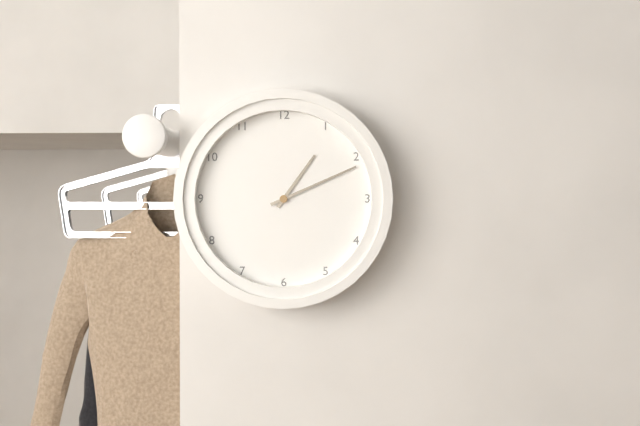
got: 1h11
